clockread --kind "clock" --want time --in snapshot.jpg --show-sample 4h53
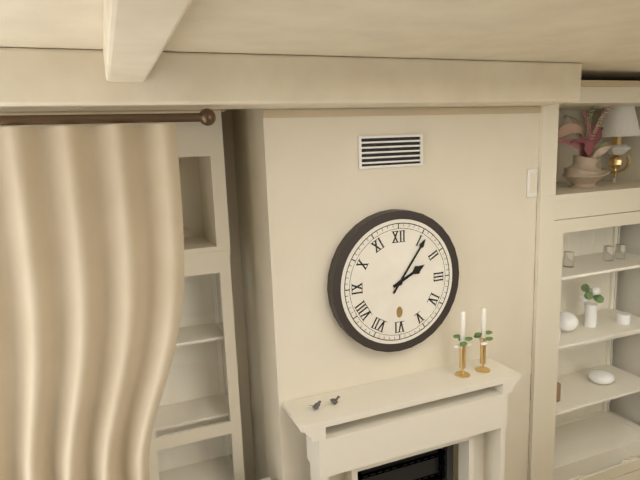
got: 2h06
